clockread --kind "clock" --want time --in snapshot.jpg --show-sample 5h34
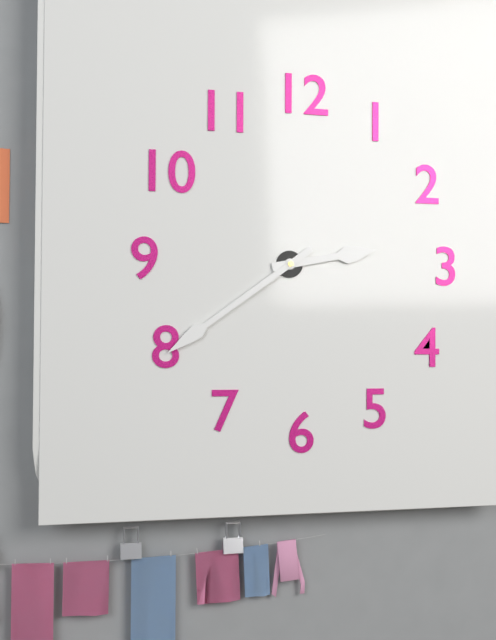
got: 2h39
